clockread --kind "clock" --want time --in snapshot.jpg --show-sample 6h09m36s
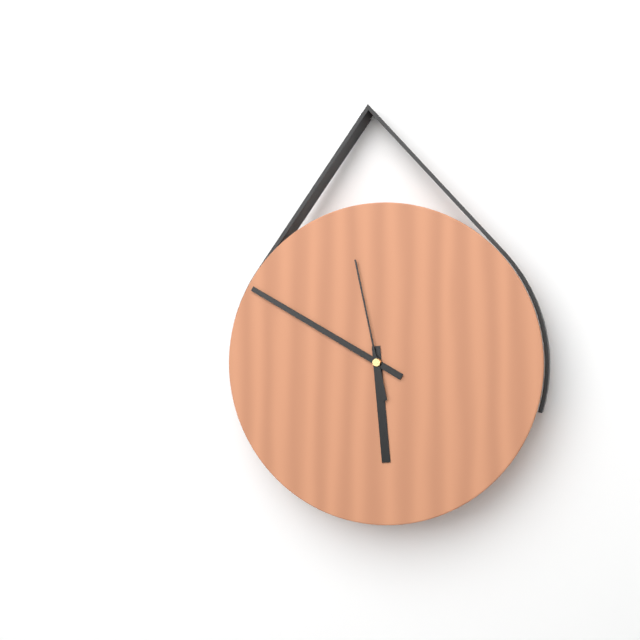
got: 5h50m58s
